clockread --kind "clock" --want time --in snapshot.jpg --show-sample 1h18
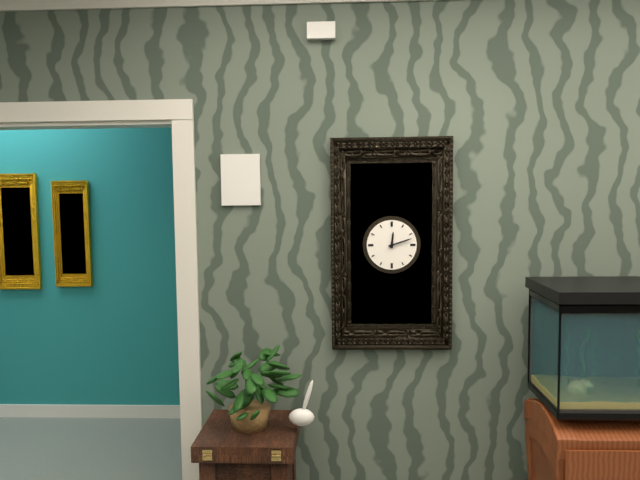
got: 12h12
